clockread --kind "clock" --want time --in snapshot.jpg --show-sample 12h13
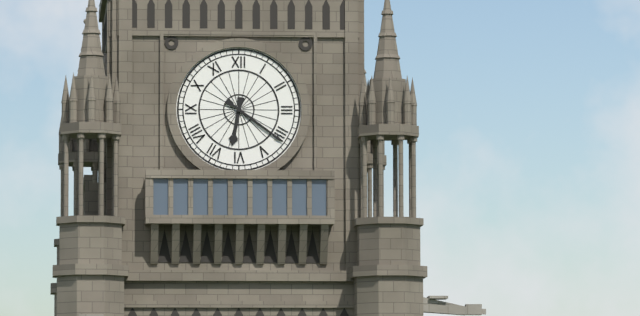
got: 6h21
